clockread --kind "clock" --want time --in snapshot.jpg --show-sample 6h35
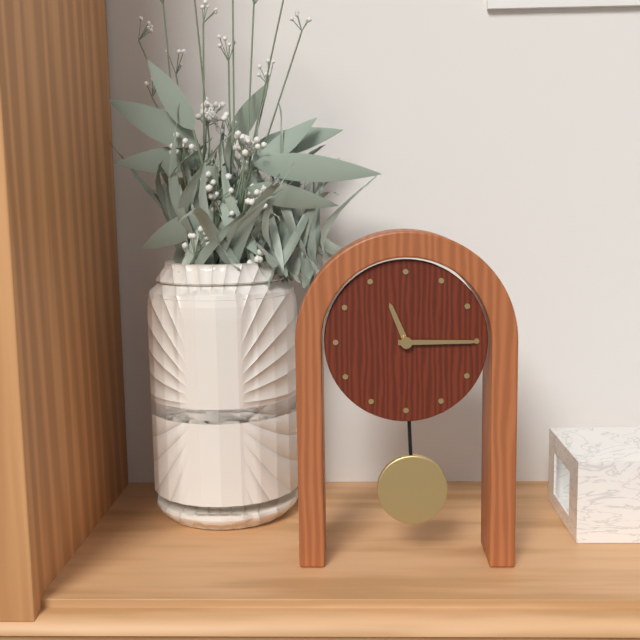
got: 11h15
